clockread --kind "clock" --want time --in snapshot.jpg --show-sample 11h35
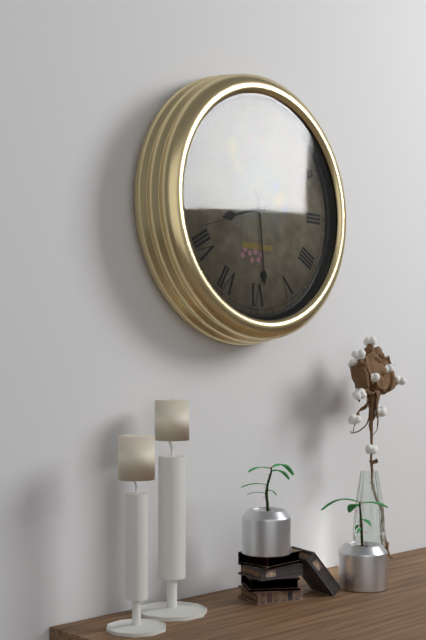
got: 8h29
